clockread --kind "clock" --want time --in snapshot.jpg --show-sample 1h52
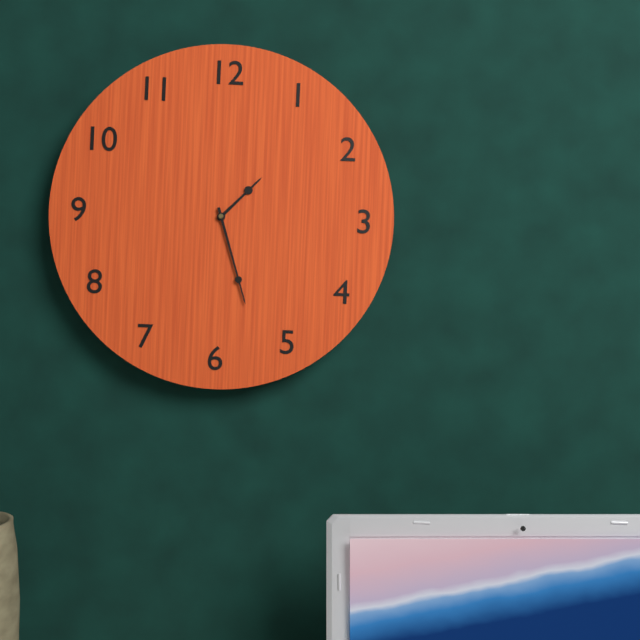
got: 1h27
